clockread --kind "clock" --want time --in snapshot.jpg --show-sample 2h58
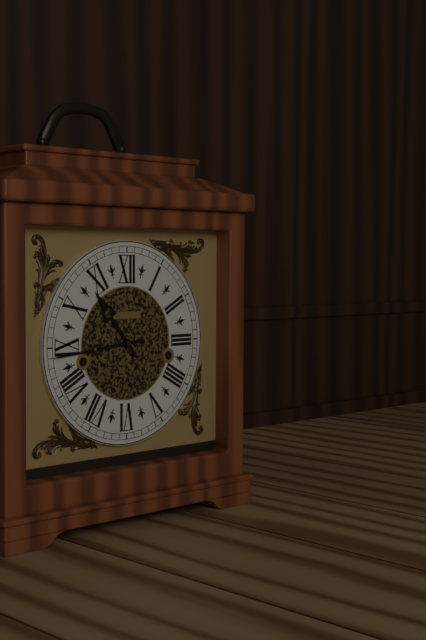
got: 10h44
